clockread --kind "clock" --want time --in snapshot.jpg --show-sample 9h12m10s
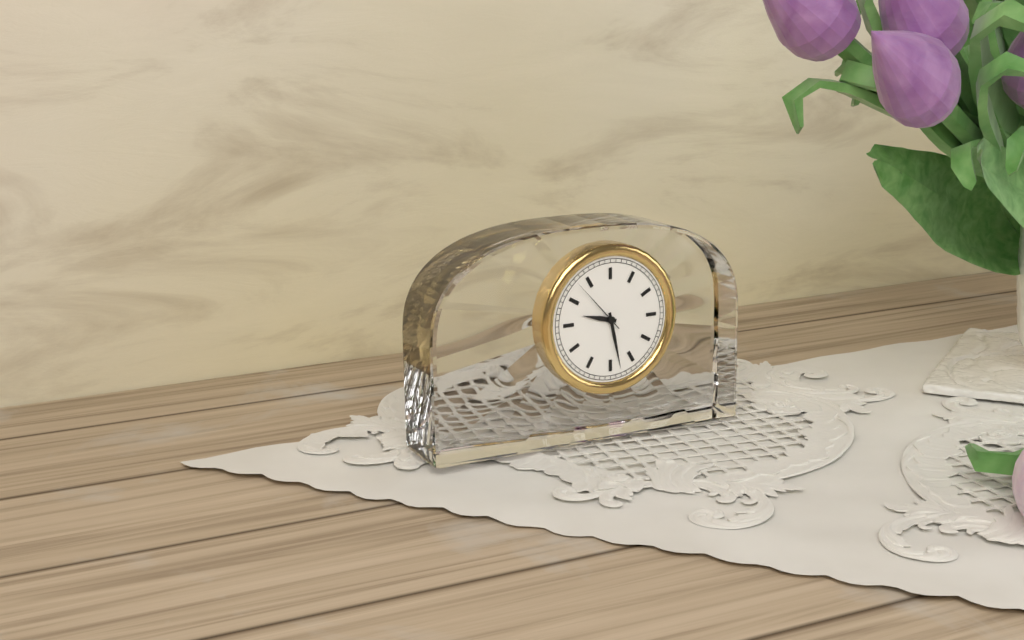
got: 9h28m53s
